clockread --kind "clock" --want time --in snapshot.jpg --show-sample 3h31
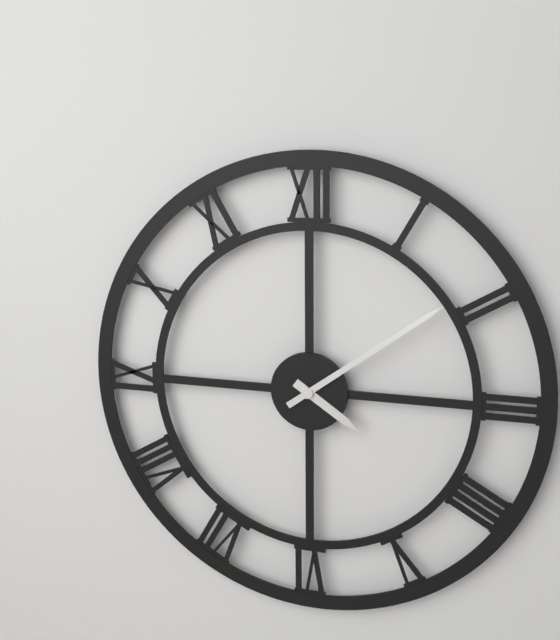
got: 4h09
